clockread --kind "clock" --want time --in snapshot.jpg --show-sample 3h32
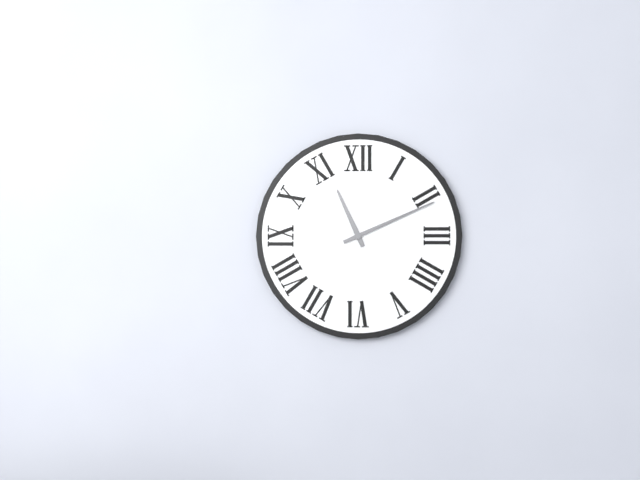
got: 11h11
